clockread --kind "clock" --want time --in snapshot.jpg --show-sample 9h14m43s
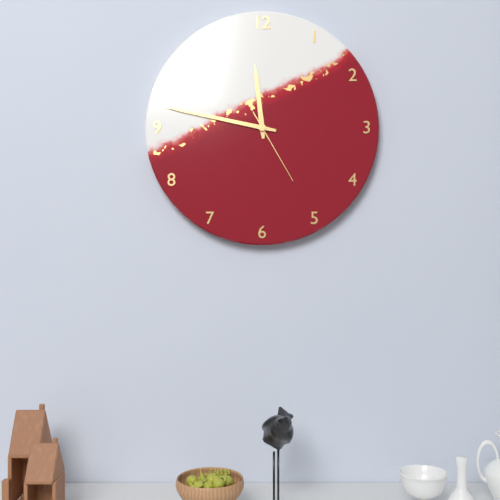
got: 11h47m25s
